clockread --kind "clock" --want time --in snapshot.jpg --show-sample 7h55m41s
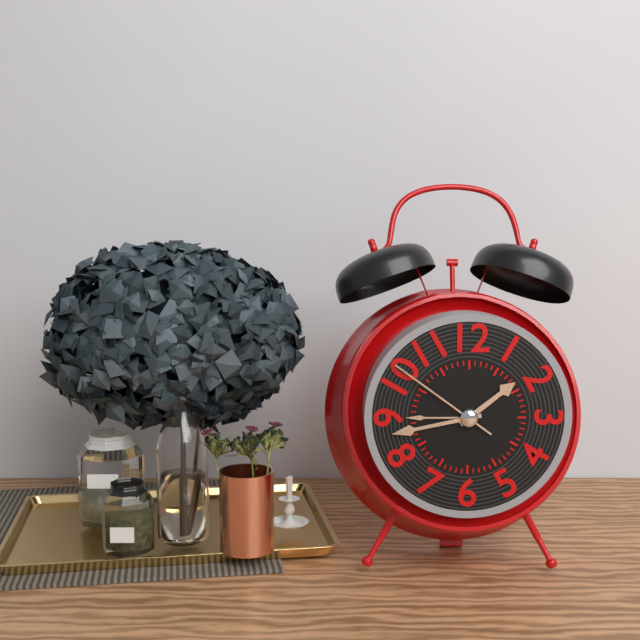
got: 1h43m51s
